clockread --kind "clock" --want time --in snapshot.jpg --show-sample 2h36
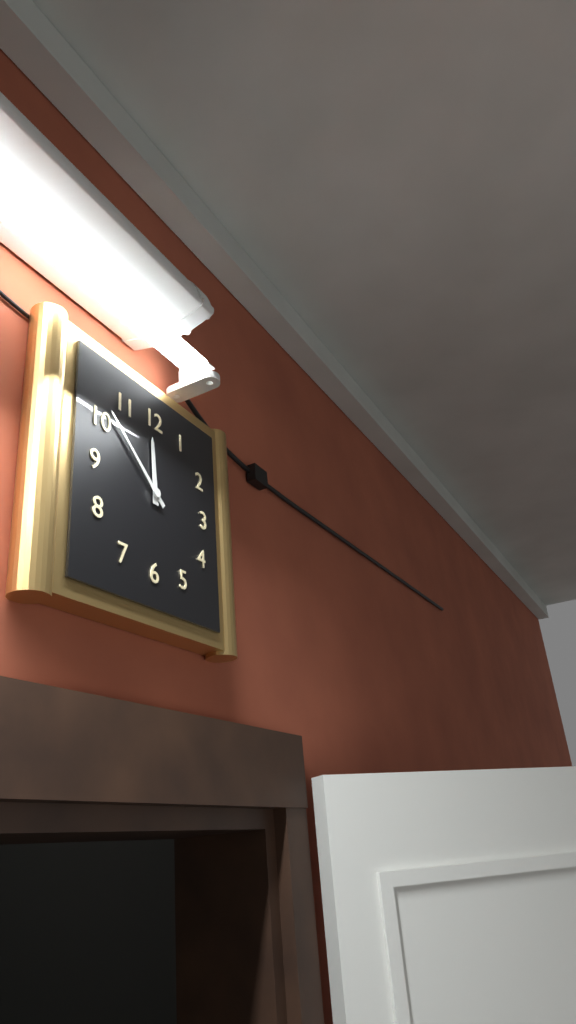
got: 11h52
